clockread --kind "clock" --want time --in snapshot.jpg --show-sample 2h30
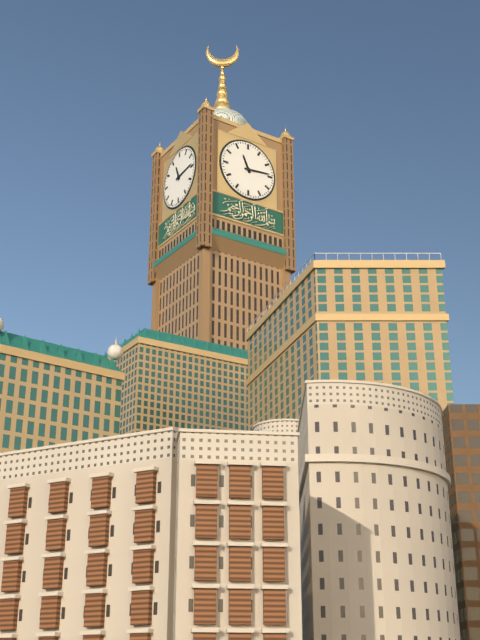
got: 11h14
